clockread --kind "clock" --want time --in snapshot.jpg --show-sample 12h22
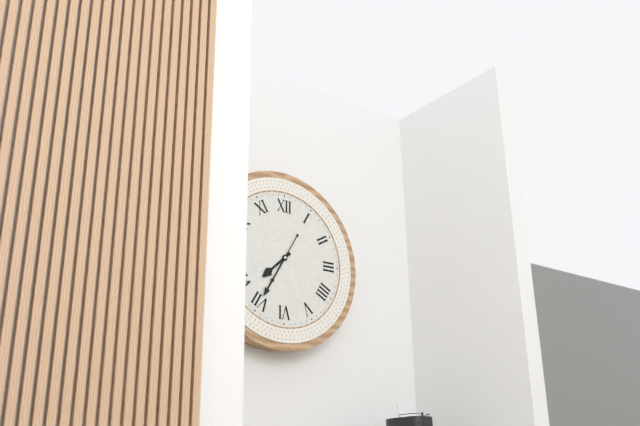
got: 7h35
